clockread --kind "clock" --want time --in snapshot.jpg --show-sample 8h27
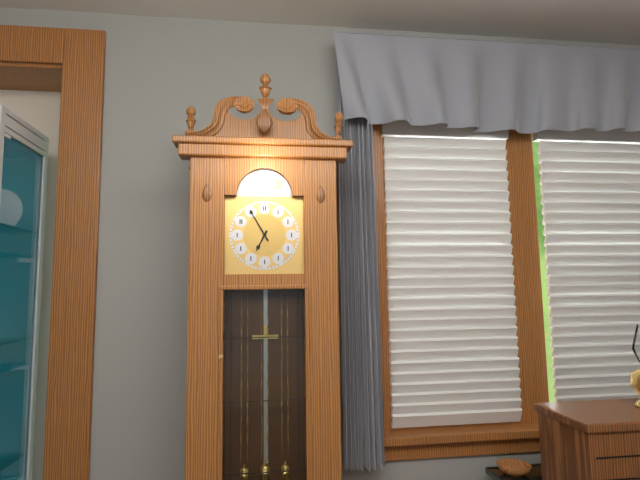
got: 6h55
